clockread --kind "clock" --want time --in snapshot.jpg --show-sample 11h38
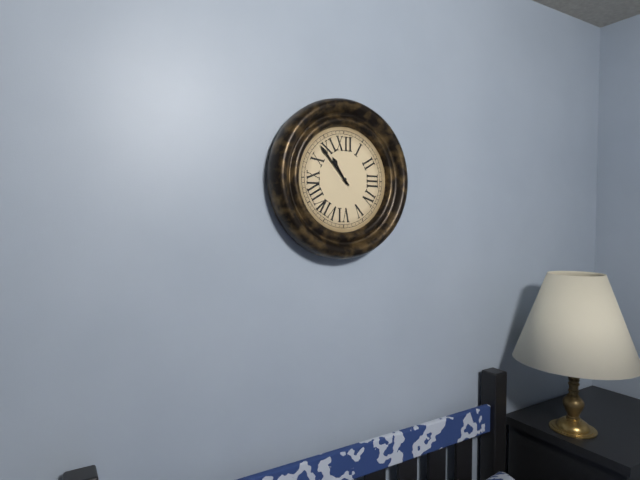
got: 10h53
